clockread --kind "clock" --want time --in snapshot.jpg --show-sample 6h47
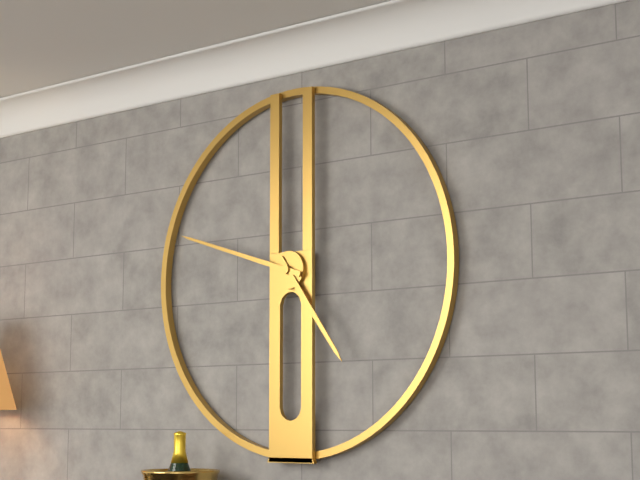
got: 4h48
